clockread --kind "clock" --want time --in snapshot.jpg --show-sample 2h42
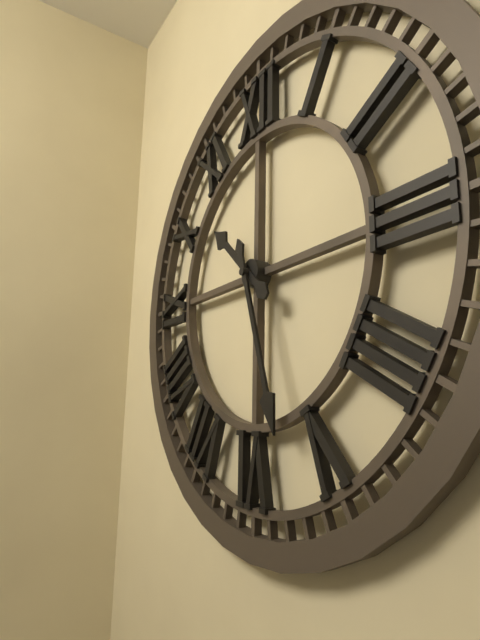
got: 10h27
